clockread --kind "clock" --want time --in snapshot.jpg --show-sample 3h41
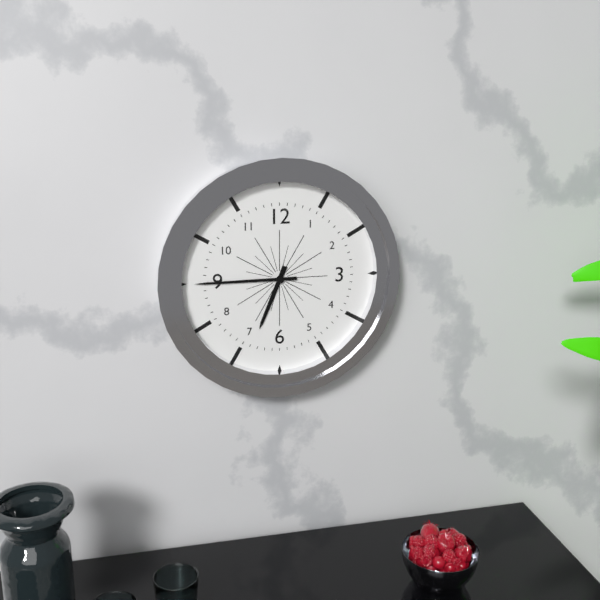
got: 6h45
